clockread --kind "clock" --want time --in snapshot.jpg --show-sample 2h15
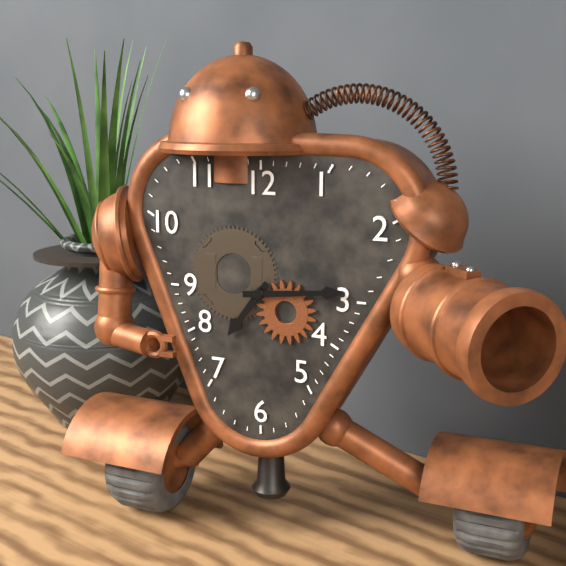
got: 7h14
